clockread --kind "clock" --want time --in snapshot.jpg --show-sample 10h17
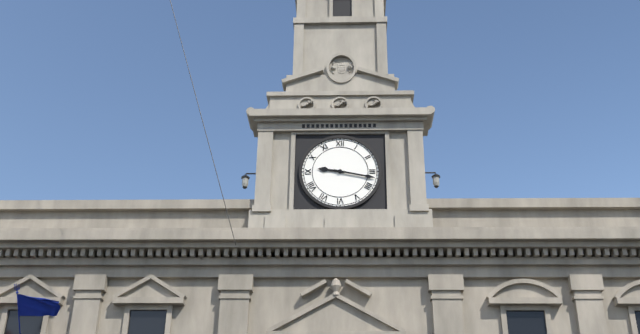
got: 9h17
